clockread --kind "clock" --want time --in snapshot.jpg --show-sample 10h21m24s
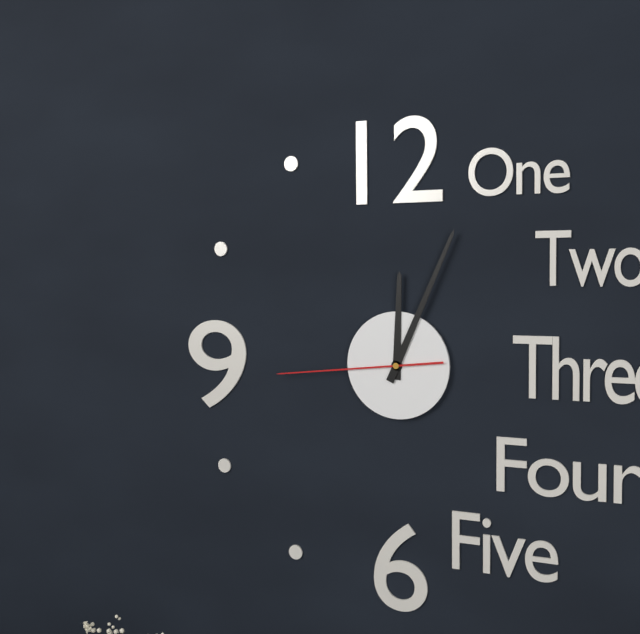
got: 12h04m44s
